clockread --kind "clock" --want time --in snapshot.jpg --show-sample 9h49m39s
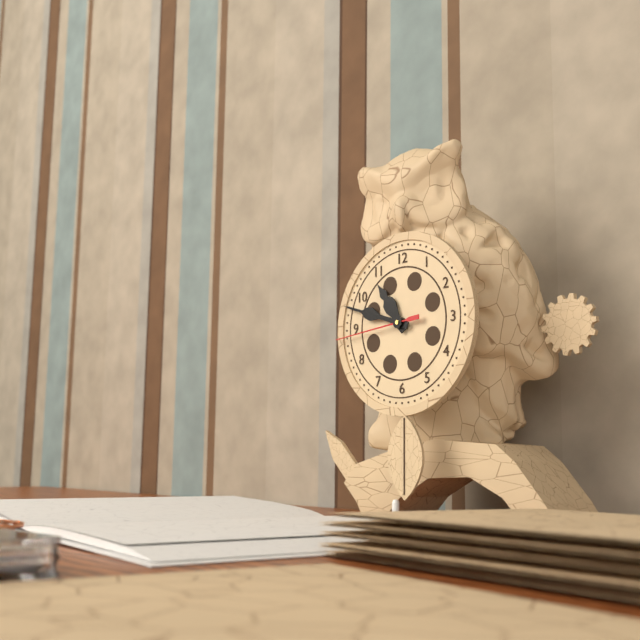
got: 10h48m44s
